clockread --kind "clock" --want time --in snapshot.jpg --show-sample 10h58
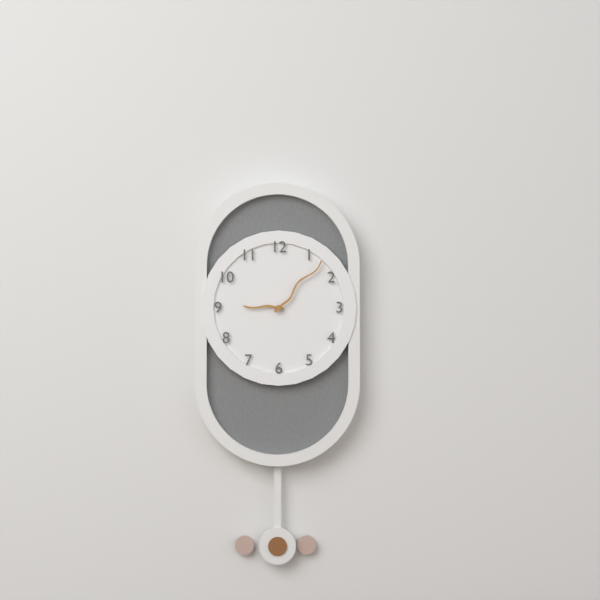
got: 9h07
